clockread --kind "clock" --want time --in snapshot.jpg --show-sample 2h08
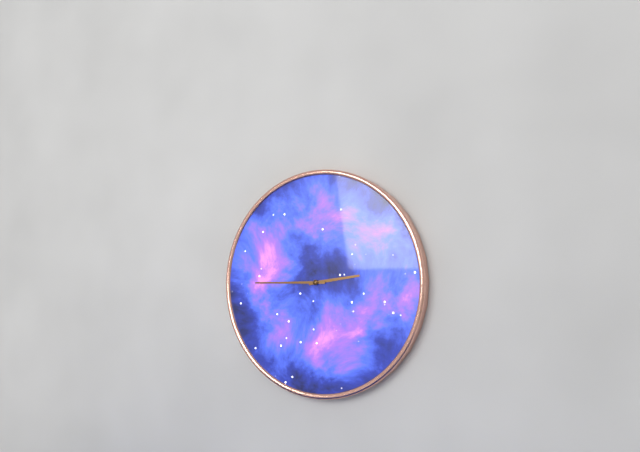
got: 2h45
